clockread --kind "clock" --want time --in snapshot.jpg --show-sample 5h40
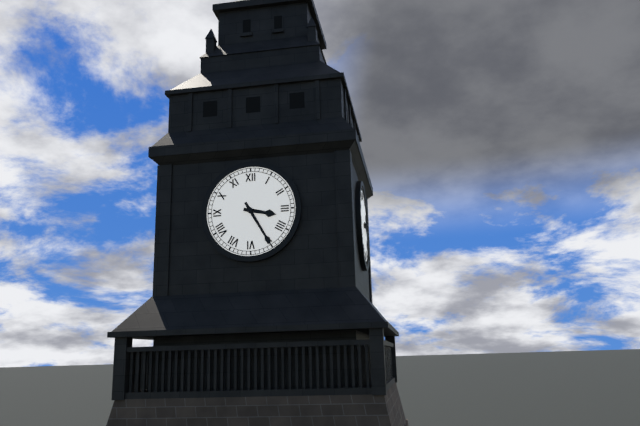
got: 3h25
